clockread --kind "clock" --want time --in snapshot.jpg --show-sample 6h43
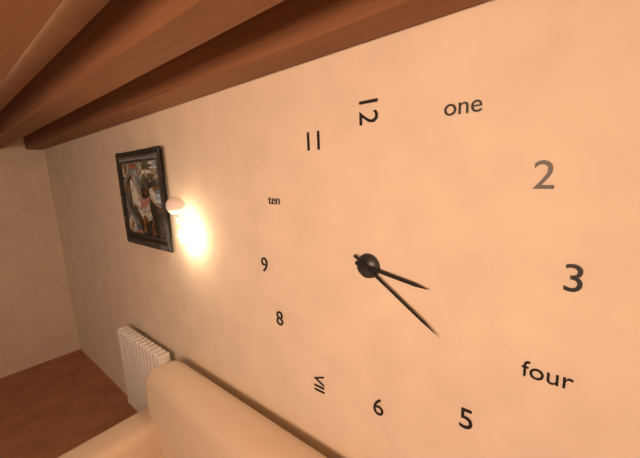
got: 3h21
